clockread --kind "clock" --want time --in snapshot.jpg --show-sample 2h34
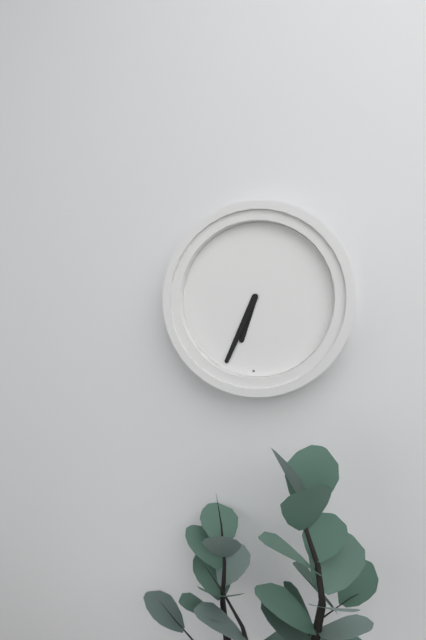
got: 6h34
